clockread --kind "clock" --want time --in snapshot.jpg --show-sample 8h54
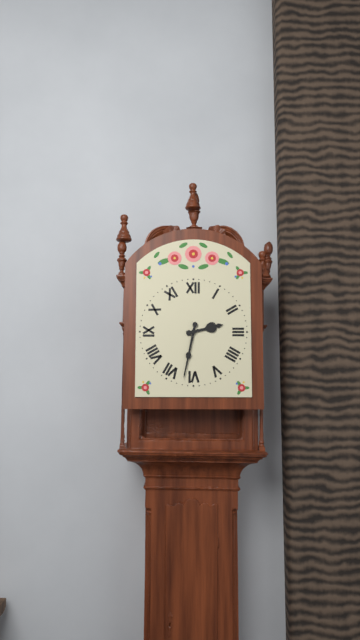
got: 2h32
